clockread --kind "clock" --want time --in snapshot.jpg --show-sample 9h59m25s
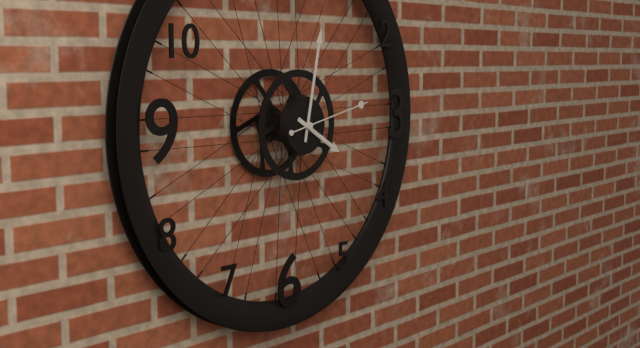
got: 4h02m13s
